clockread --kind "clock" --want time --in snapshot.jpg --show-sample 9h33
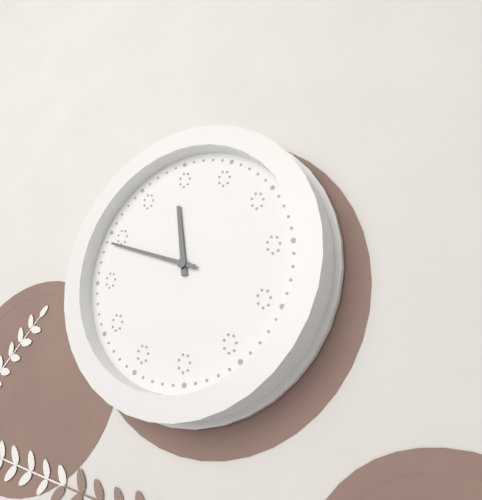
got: 11h49
